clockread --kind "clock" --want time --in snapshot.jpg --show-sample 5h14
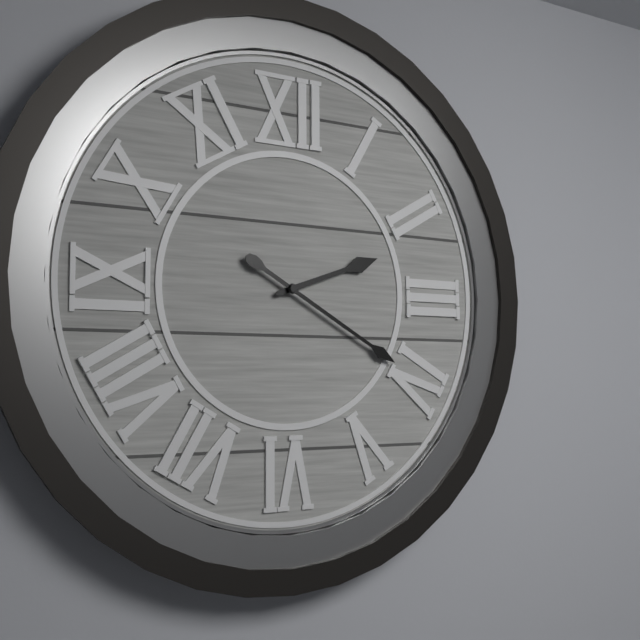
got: 2h20
